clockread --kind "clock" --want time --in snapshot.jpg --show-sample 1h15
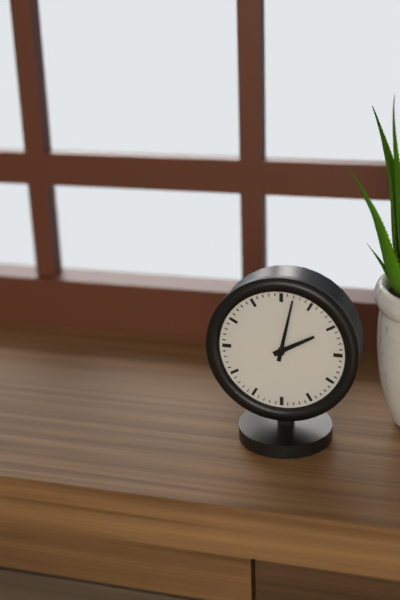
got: 2h02
